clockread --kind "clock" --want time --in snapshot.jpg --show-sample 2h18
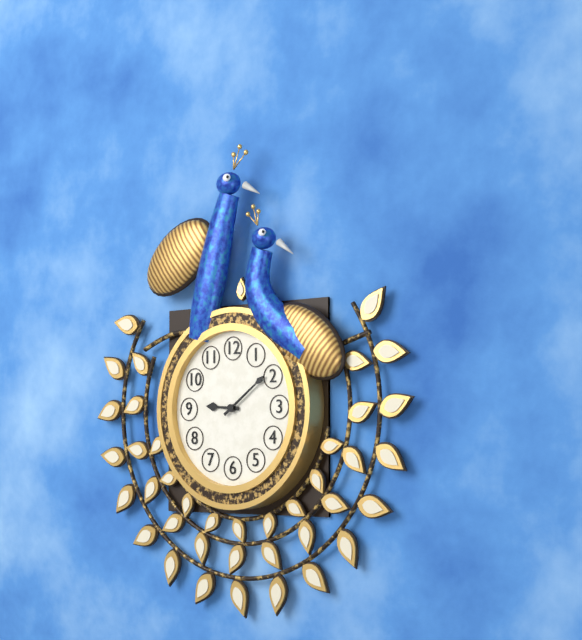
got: 9h09
